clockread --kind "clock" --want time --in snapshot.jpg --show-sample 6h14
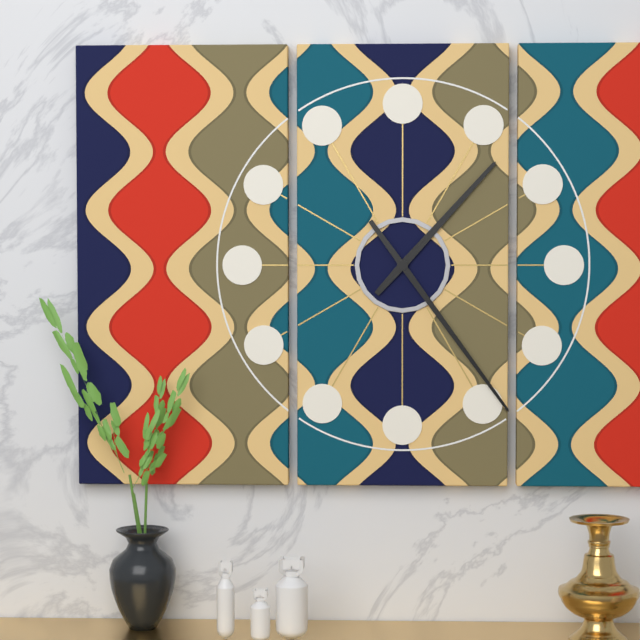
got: 1h24
